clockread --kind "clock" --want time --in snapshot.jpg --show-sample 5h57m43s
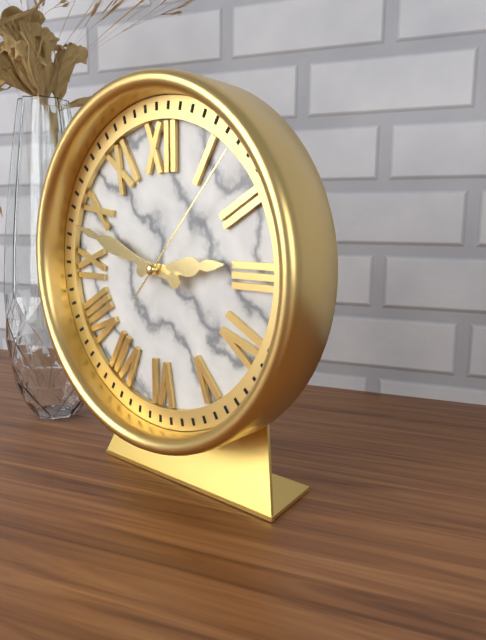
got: 2h48m07s
